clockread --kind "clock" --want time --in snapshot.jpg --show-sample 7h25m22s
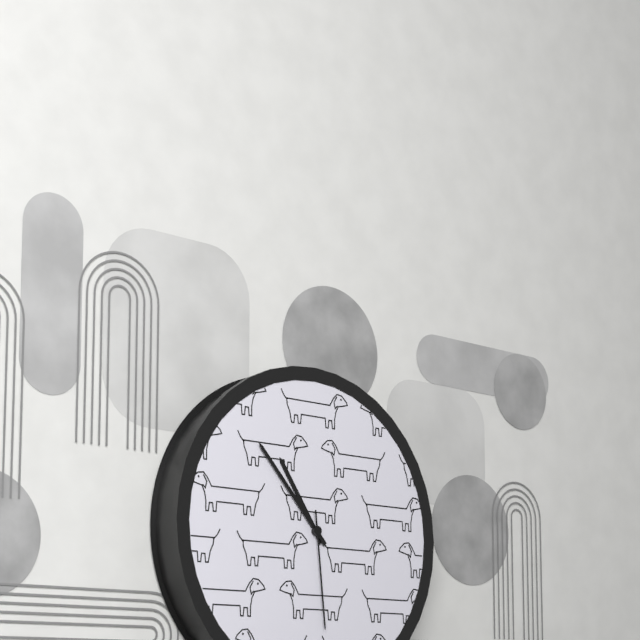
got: 10h53m29s
